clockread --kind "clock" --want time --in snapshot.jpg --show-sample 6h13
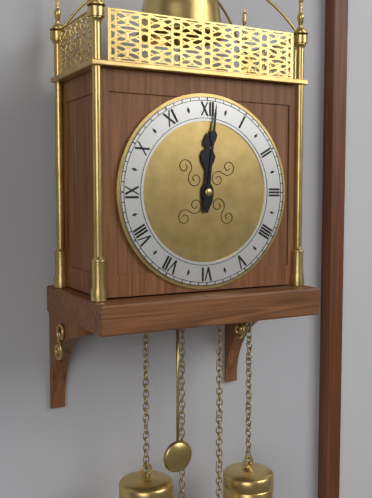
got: 12h01
